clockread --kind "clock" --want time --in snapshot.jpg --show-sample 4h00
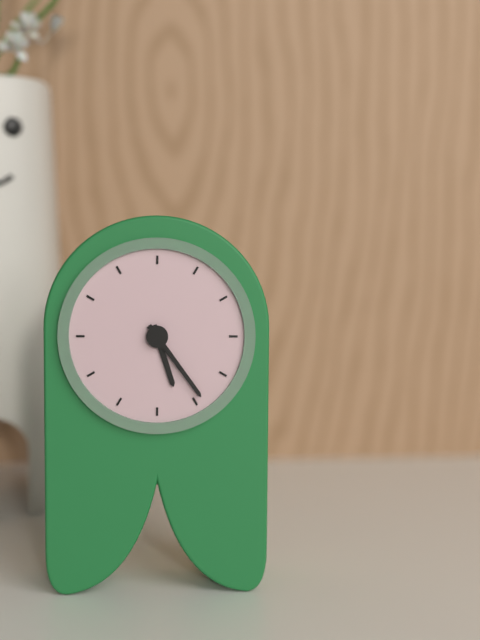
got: 5h24
